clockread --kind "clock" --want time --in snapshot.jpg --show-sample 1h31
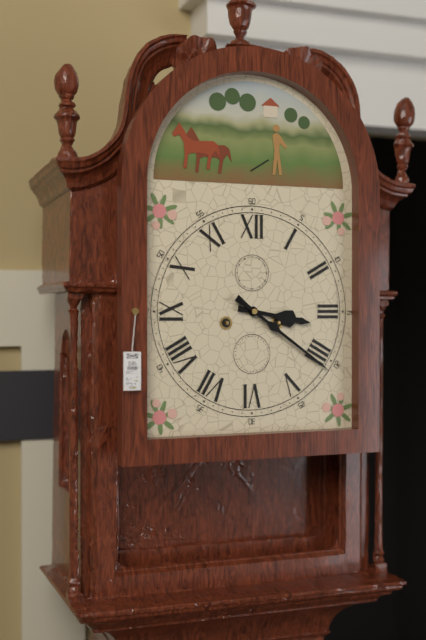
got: 3h21
